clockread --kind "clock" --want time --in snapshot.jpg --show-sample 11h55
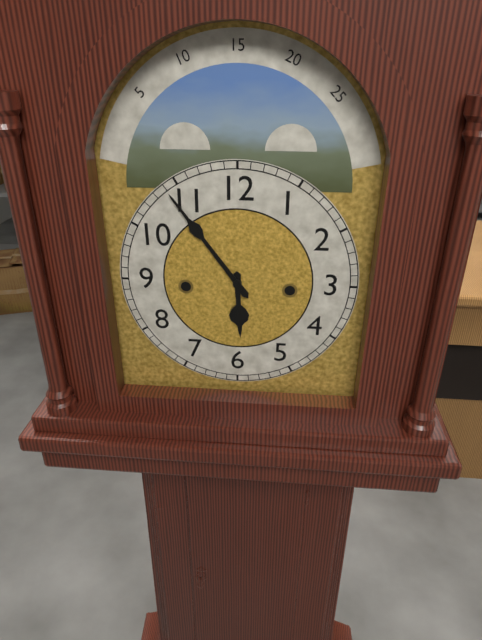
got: 5h54
